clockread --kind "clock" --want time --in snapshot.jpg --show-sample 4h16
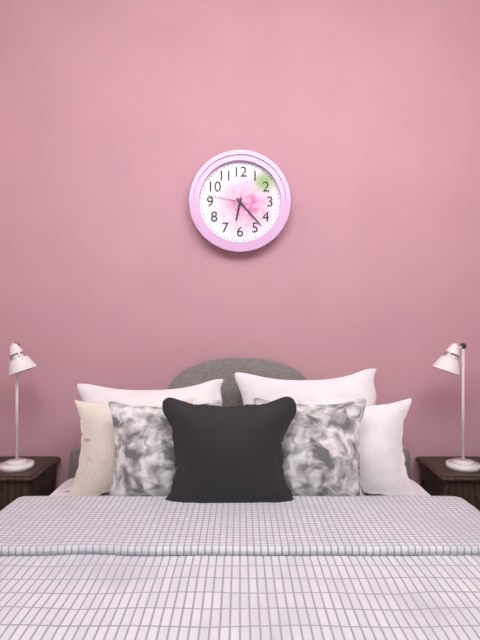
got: 6h23
